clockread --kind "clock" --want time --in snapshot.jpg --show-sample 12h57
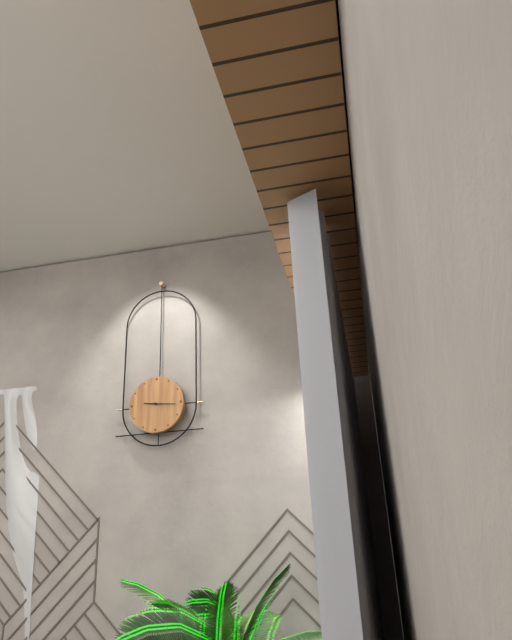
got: 9h16
